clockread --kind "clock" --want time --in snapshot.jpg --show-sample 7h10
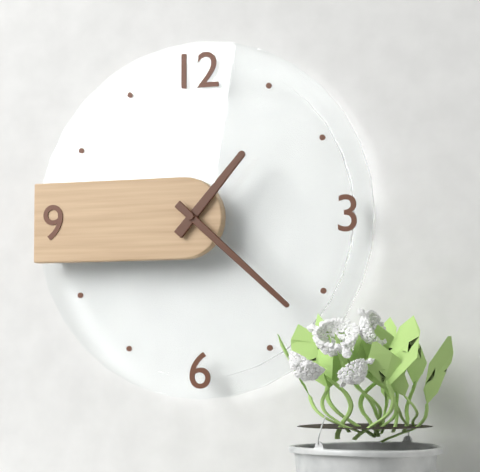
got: 1h22
